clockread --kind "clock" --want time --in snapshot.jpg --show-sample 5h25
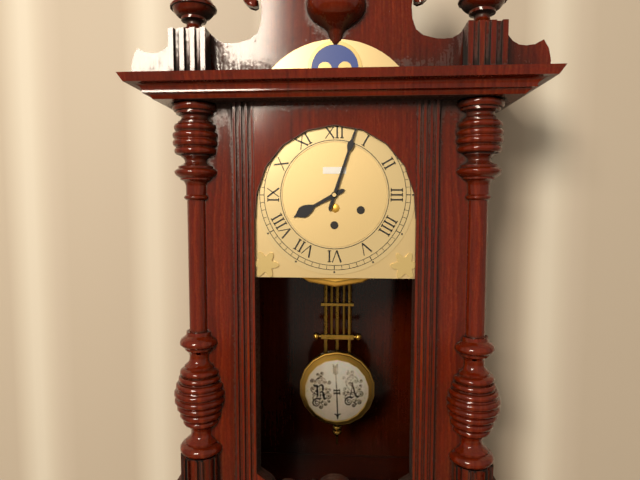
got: 8h03
